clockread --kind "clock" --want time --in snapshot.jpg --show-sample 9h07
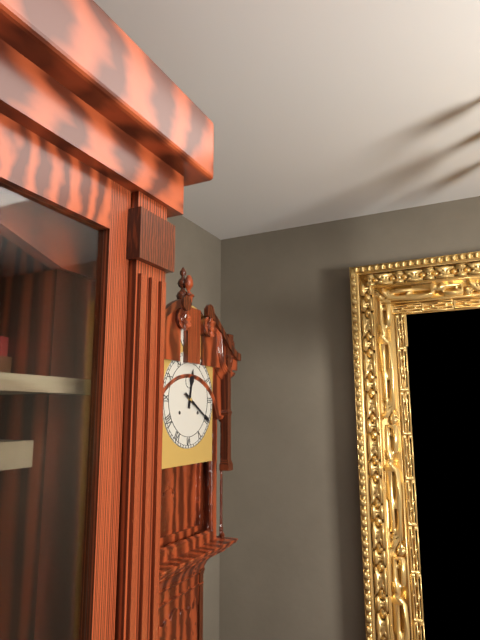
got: 12h20
